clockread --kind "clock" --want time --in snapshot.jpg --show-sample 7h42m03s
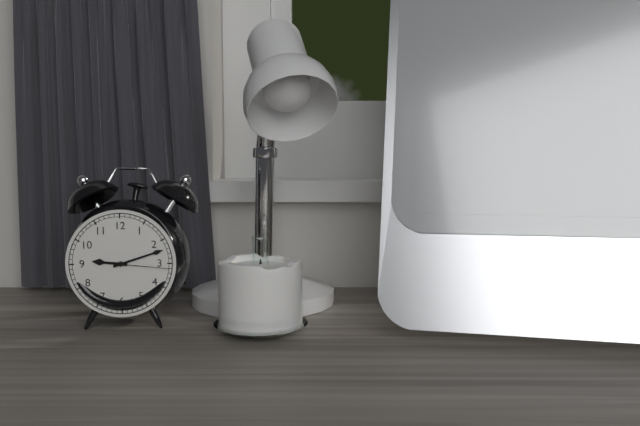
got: 9h12m16s
